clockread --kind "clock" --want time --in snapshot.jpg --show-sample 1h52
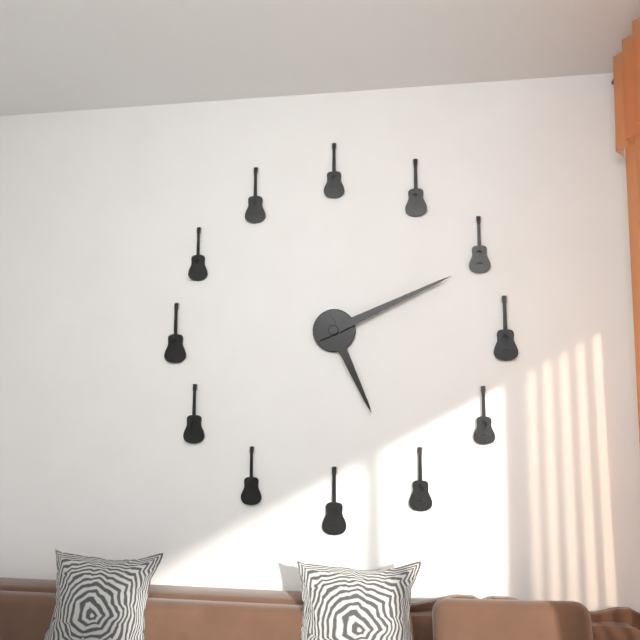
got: 5h11
